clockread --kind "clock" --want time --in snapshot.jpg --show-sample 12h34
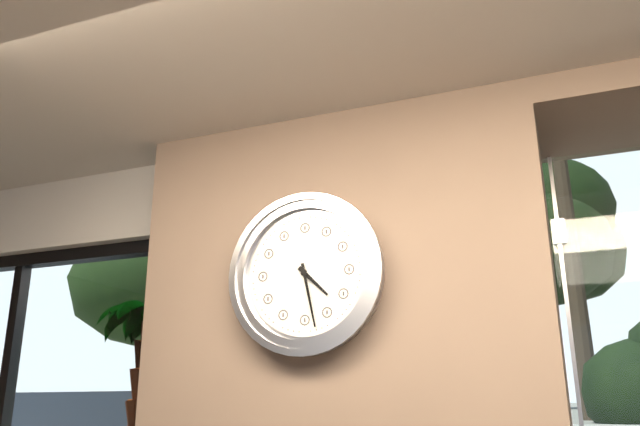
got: 4h28
